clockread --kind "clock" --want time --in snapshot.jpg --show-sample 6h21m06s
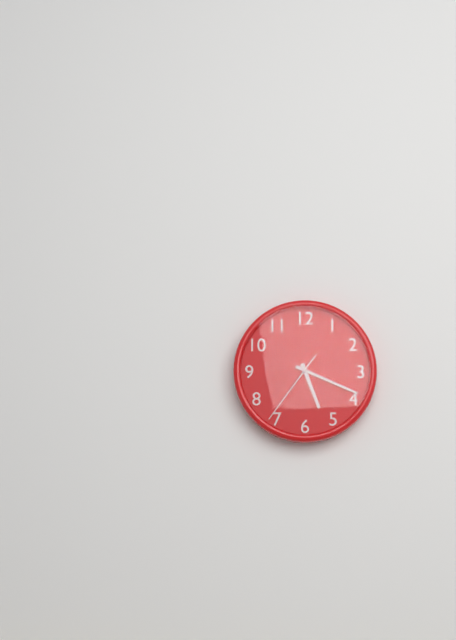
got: 5h19m36s
